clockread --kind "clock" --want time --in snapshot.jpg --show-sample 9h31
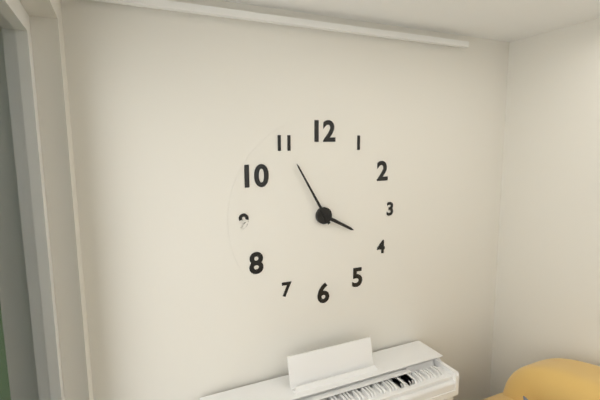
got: 3h55
